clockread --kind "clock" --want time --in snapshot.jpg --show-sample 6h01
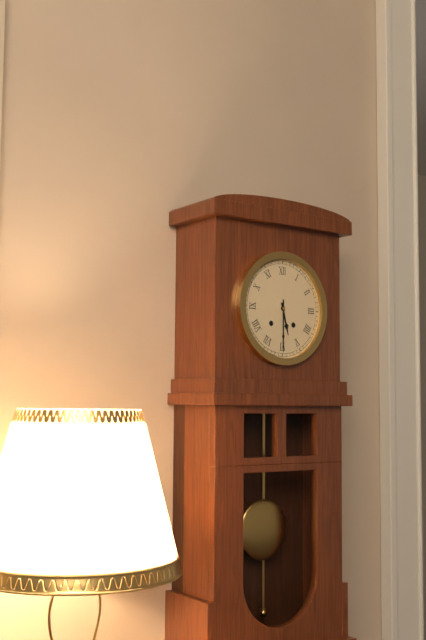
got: 5h30
